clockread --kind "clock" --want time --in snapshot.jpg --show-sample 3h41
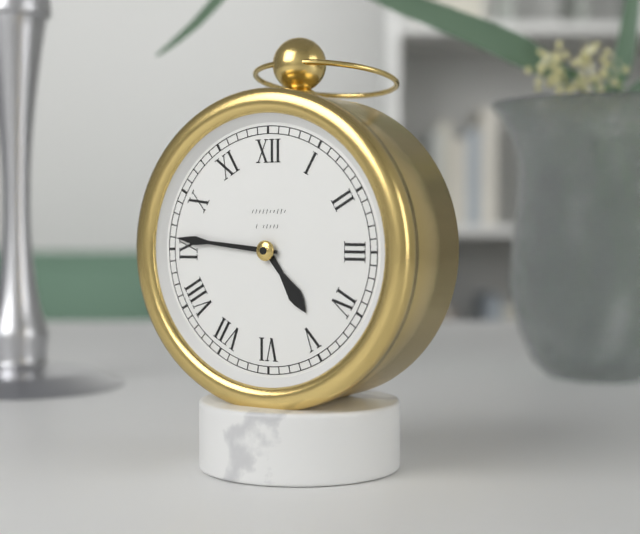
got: 4h46
